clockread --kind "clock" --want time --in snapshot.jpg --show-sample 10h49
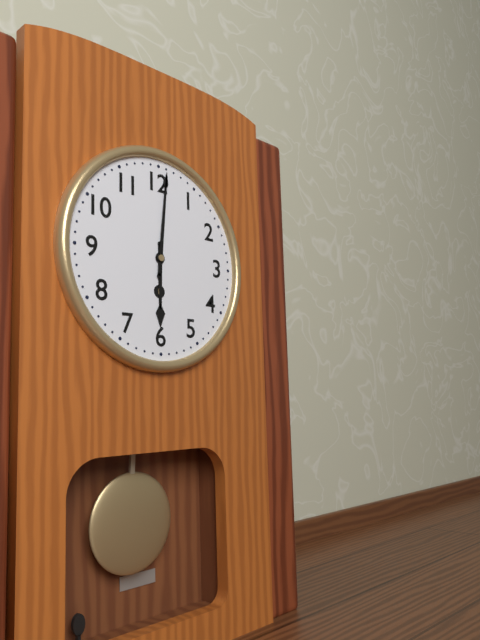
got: 6h01
